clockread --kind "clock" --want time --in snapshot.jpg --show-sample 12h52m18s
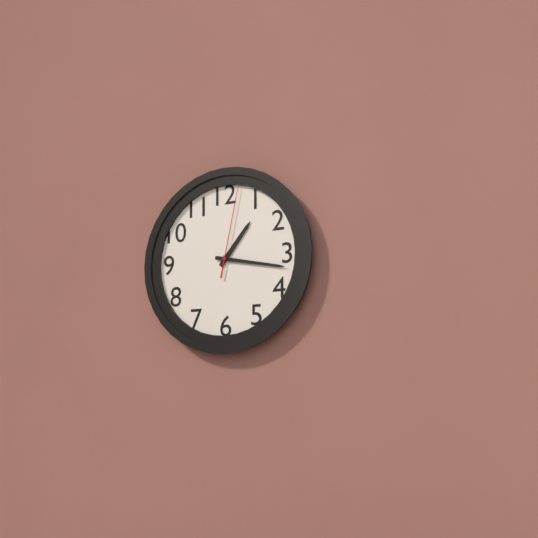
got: 1h17m02s
